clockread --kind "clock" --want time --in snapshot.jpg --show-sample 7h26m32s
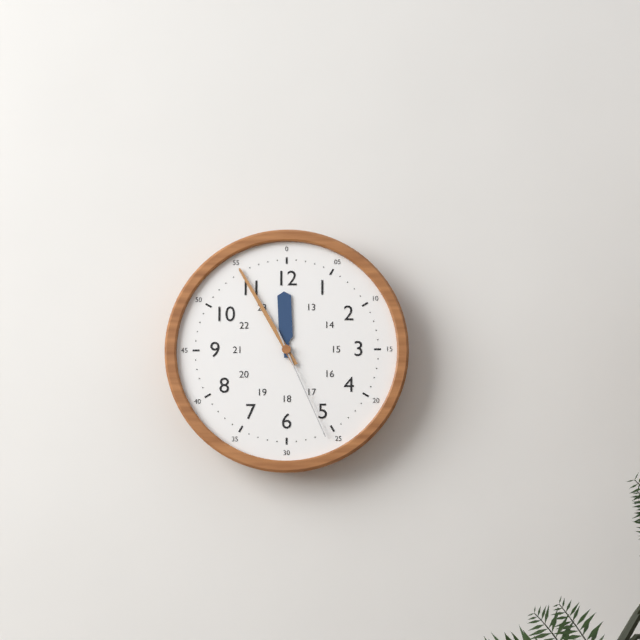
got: 11h55m26s
